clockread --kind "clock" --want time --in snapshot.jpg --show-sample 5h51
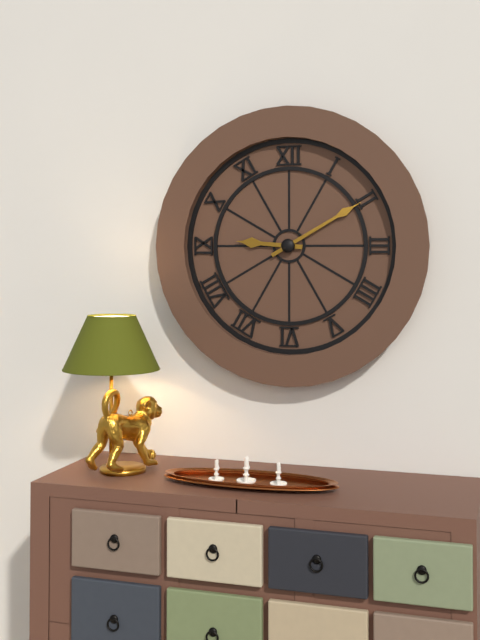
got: 9h10
